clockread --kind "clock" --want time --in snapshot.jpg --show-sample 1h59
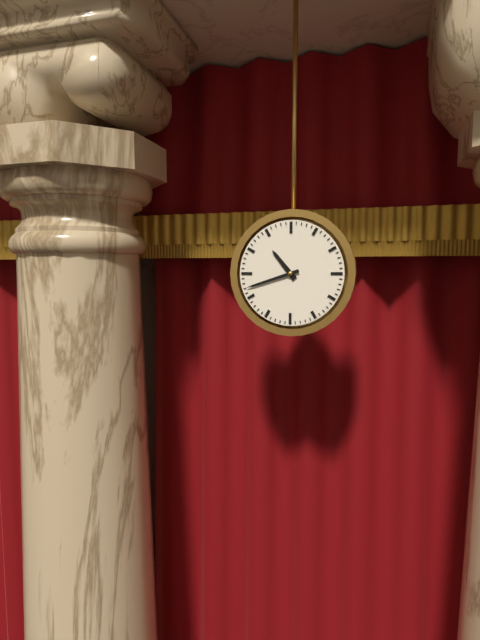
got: 10h42
